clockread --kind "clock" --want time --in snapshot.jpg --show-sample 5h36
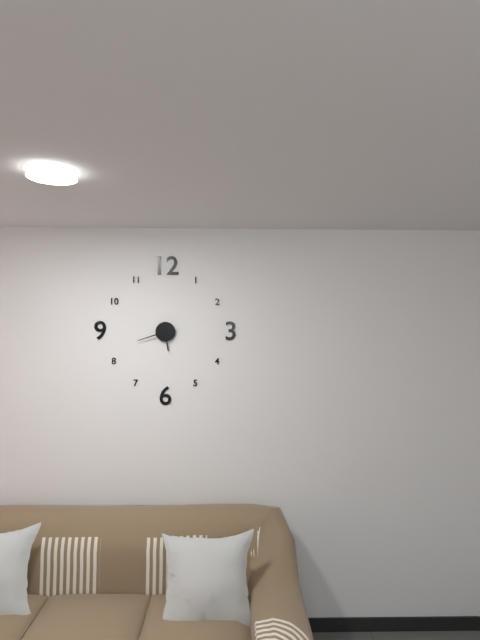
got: 5h42
